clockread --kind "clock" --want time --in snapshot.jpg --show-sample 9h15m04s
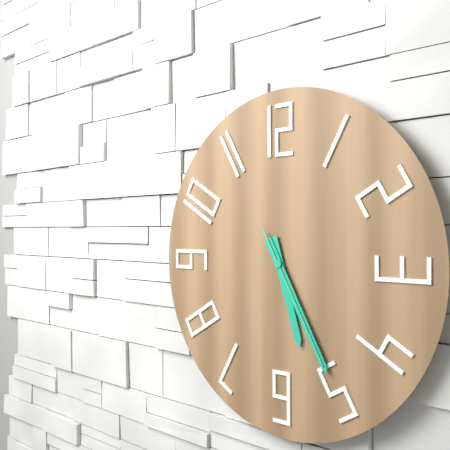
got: 5h25m25s
